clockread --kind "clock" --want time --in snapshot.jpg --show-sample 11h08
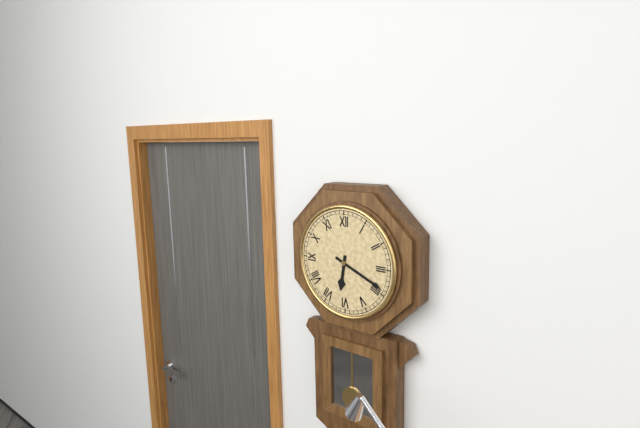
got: 6h19
